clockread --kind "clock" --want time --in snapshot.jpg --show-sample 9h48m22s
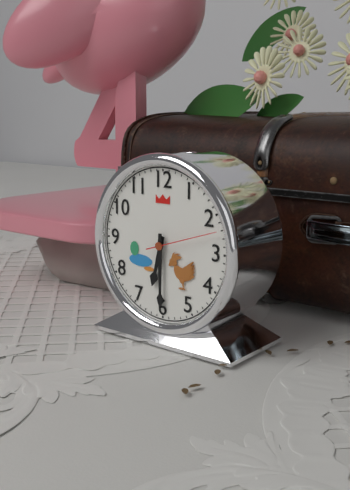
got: 6h30m12s
